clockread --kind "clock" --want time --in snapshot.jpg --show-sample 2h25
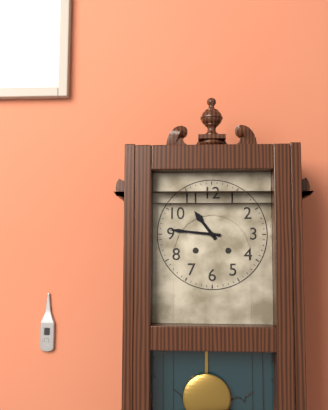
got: 10h46
